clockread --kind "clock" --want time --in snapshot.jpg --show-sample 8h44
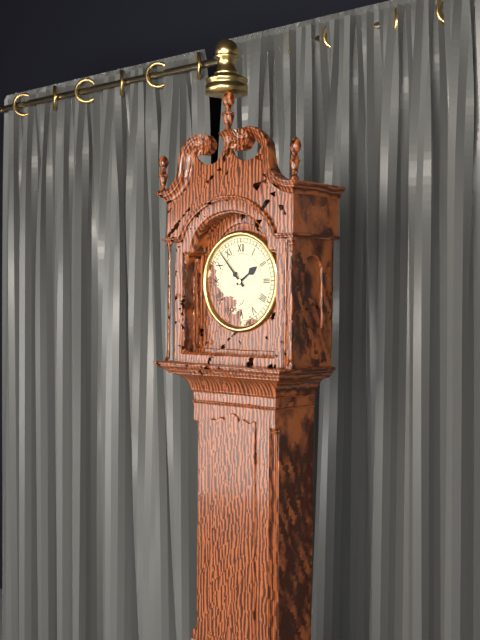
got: 1h53
